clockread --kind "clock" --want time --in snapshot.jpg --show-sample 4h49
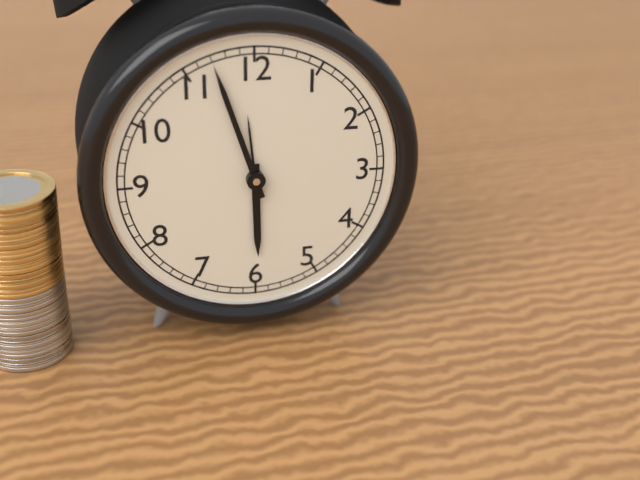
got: 5h57
